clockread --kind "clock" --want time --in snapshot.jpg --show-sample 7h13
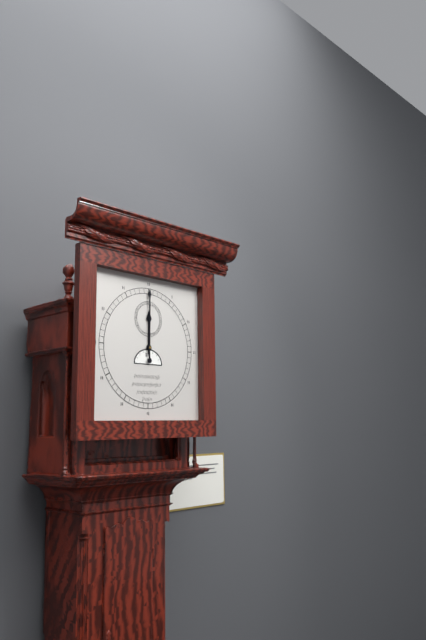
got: 12h00
